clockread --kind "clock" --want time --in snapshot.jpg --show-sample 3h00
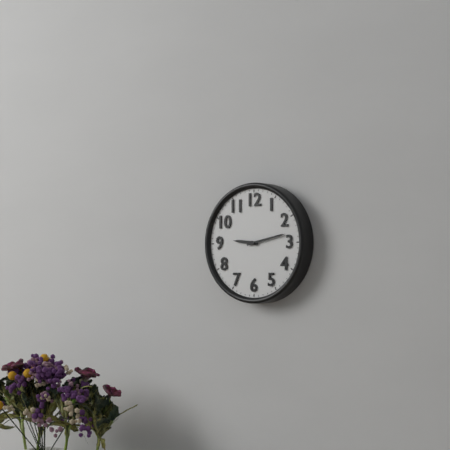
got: 9h13
